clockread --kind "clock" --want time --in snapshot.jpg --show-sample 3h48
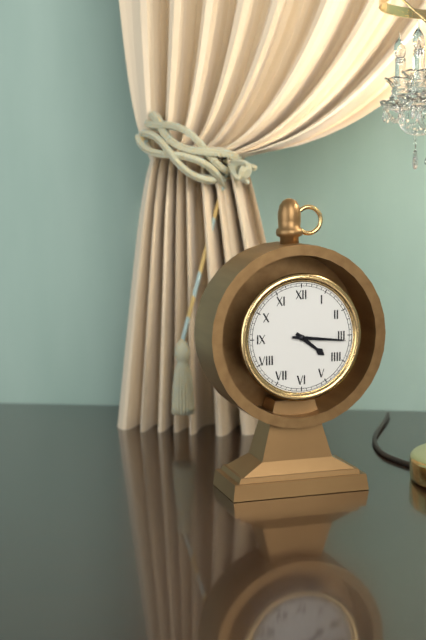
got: 4h16
